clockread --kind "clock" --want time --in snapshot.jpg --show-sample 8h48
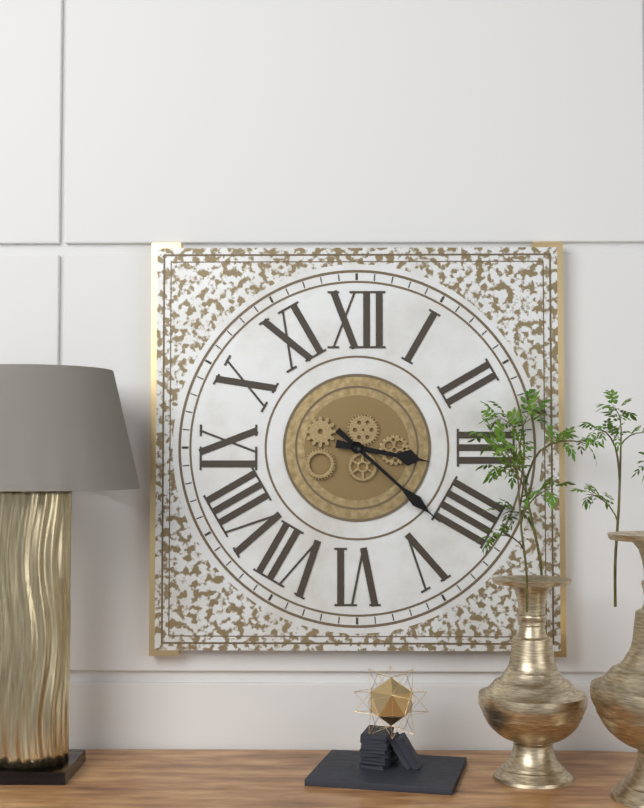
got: 3h22
